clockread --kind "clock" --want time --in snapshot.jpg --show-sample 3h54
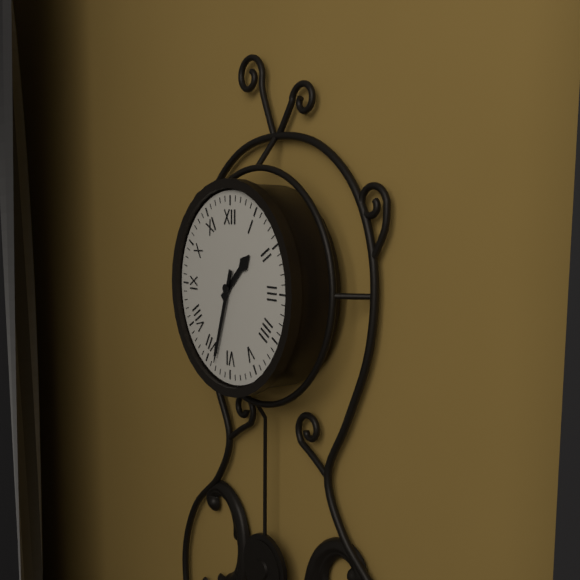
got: 1h33
